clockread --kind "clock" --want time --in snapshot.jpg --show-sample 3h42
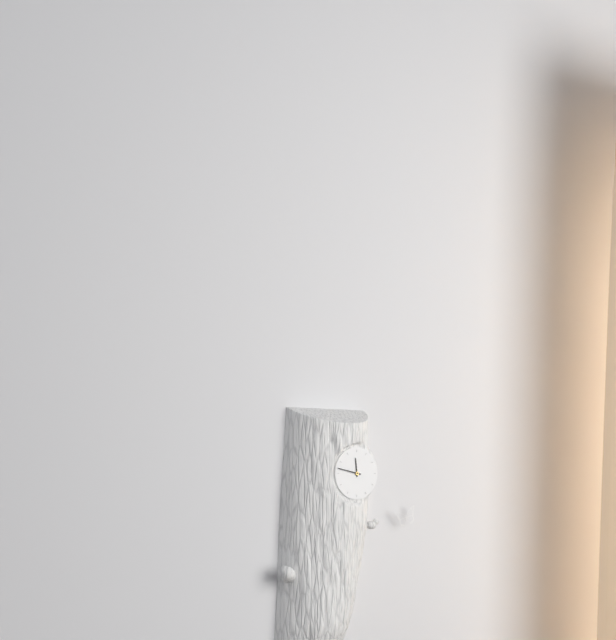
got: 11h47
